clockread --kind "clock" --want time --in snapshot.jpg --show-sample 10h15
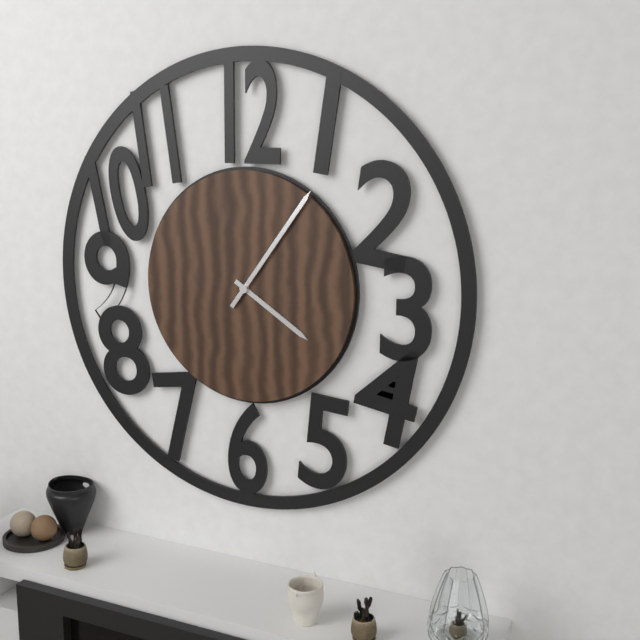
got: 4h06
